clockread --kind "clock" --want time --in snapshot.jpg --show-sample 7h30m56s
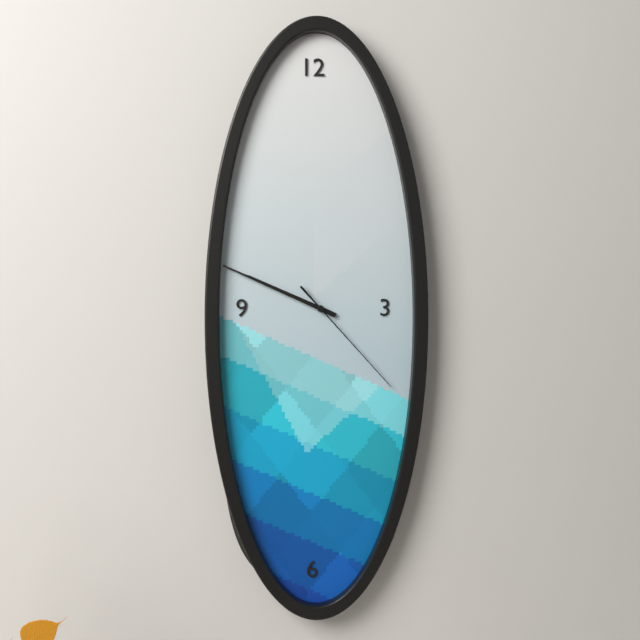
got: 9h49m23s
